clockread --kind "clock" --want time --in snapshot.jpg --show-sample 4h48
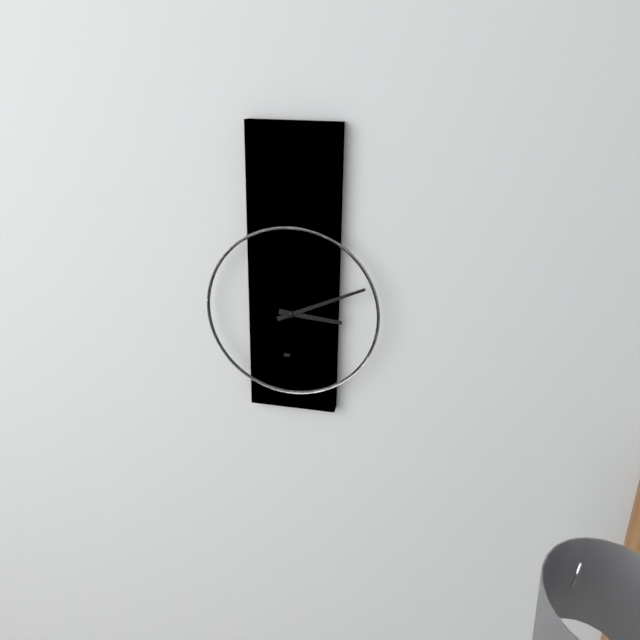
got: 3h11
